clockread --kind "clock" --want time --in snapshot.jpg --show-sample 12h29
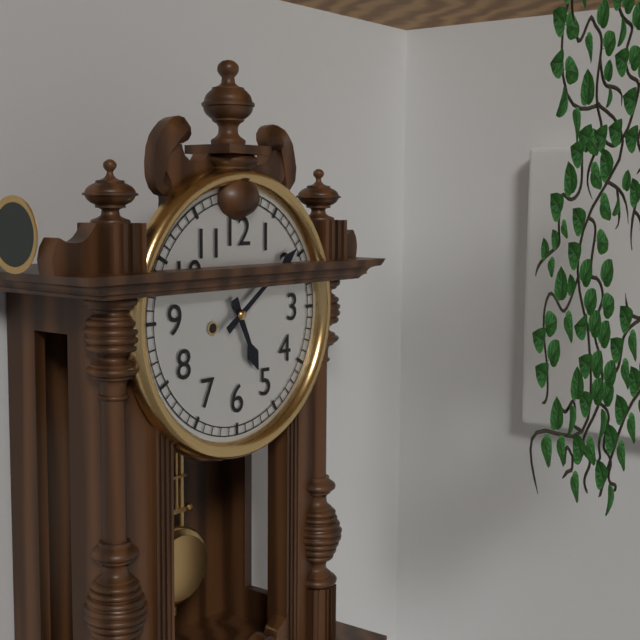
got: 5h09
